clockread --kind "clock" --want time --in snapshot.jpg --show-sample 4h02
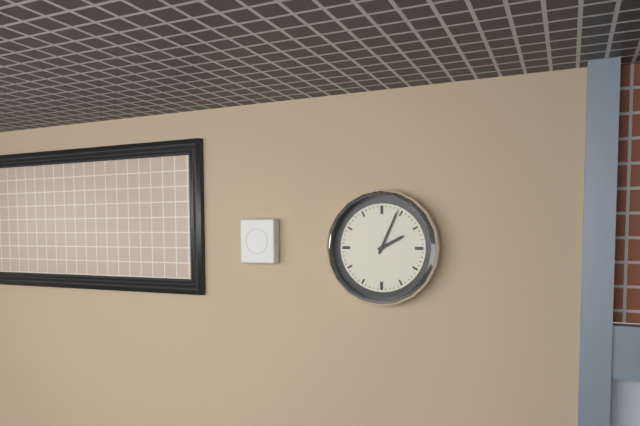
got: 2h04
